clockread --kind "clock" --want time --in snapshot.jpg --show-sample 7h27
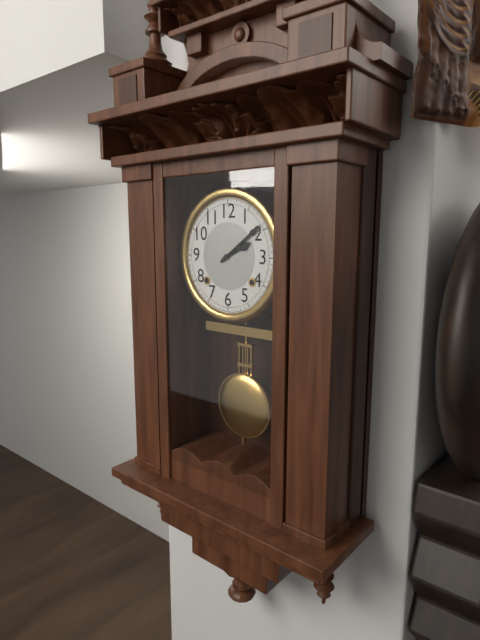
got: 2h09
